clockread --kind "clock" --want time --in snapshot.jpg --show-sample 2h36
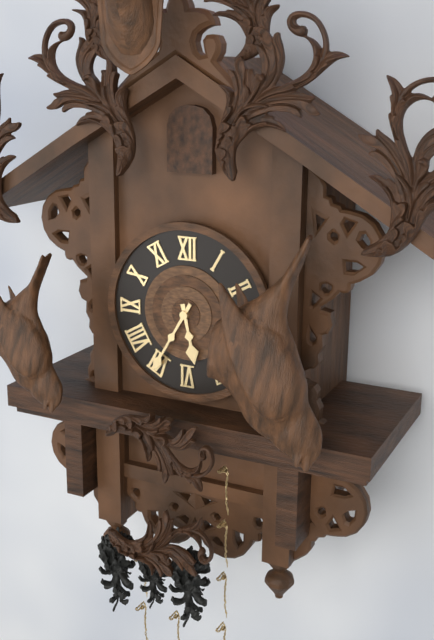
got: 5h35
